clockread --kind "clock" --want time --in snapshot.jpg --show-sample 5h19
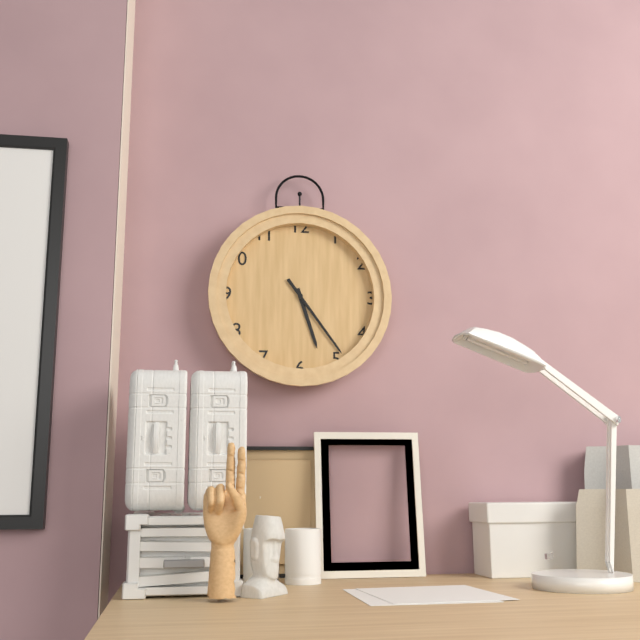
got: 5h24
